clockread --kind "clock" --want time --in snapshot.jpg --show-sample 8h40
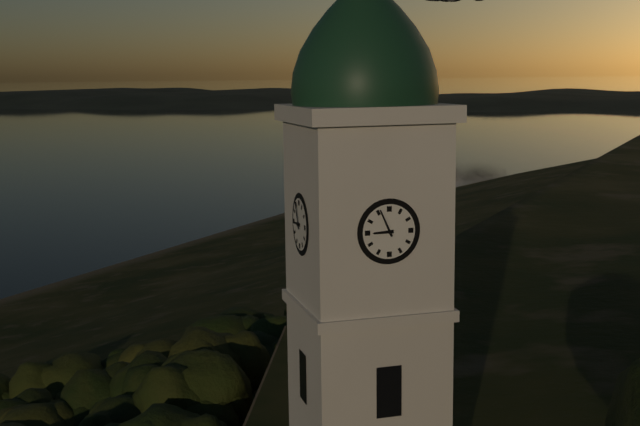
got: 8h56
